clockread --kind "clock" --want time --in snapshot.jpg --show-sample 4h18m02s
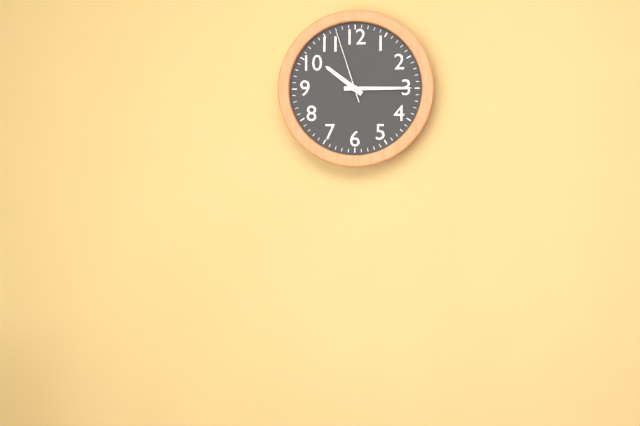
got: 10h15m57s
